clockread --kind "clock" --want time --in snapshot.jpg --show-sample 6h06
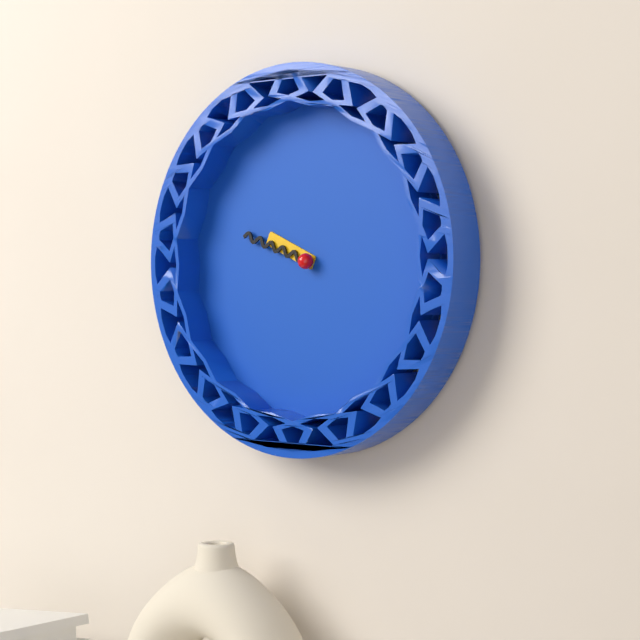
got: 9h48
